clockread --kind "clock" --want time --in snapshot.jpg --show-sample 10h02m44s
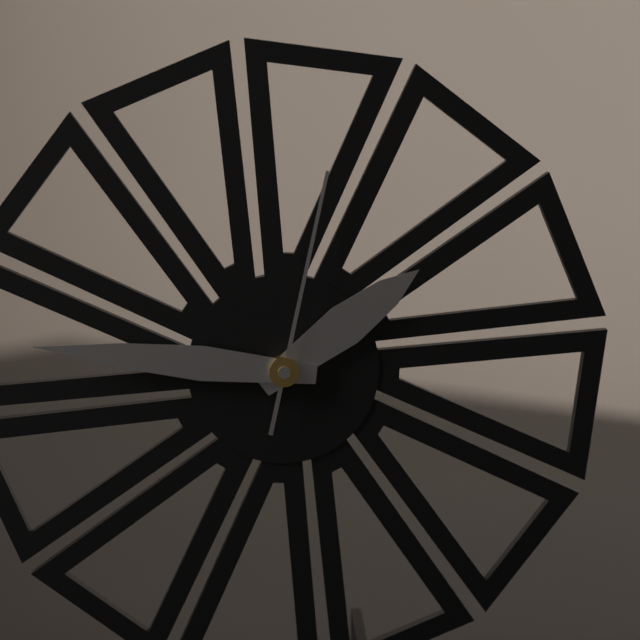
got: 1h46m02s
